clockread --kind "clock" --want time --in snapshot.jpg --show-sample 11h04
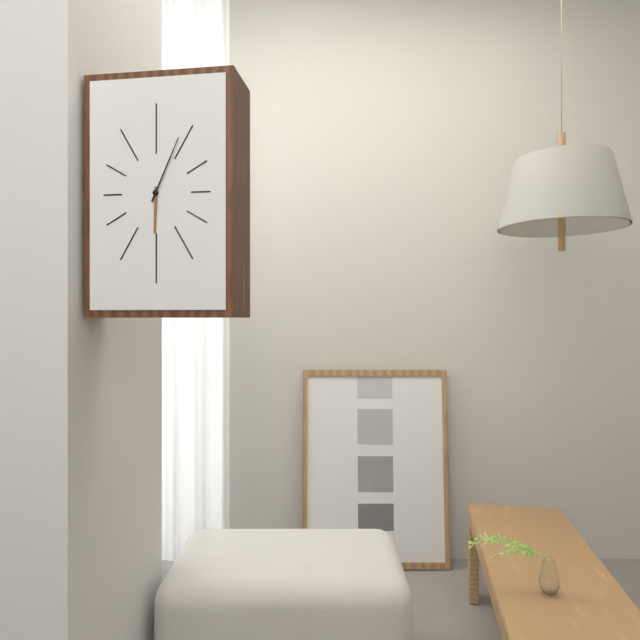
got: 6h04
